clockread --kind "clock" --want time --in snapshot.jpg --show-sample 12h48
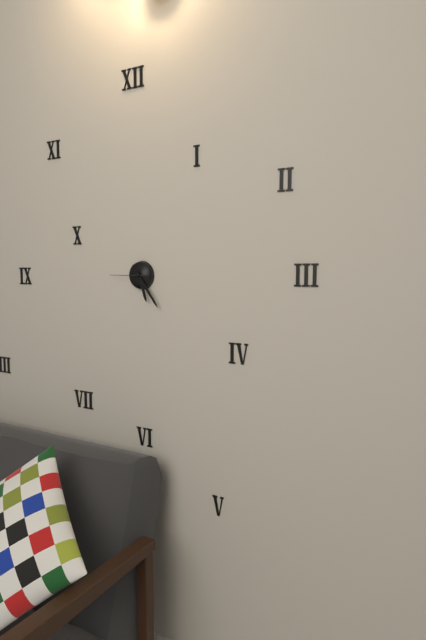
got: 5h24
